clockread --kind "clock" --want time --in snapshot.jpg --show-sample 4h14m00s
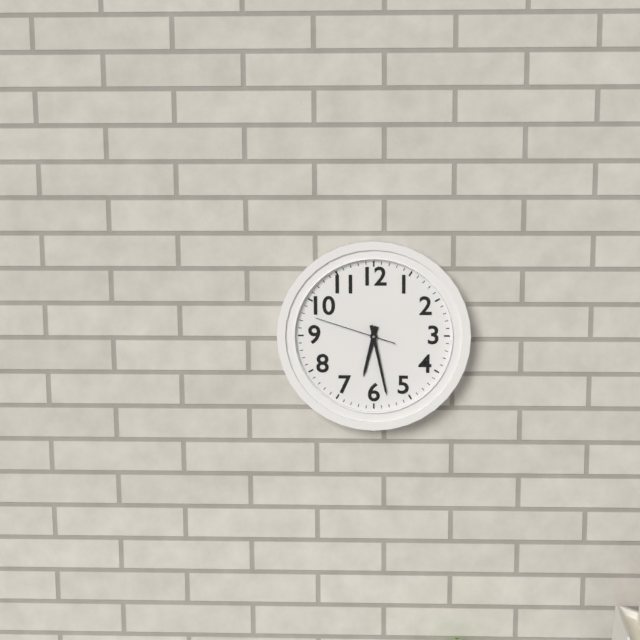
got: 6h28m48s
